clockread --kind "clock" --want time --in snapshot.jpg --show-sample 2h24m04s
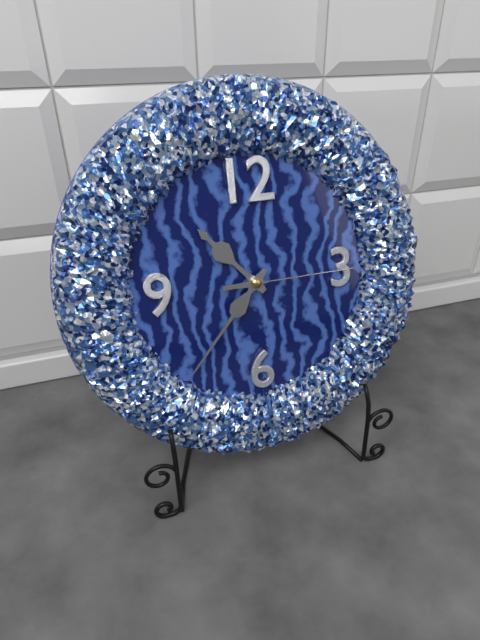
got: 10h37m15s
